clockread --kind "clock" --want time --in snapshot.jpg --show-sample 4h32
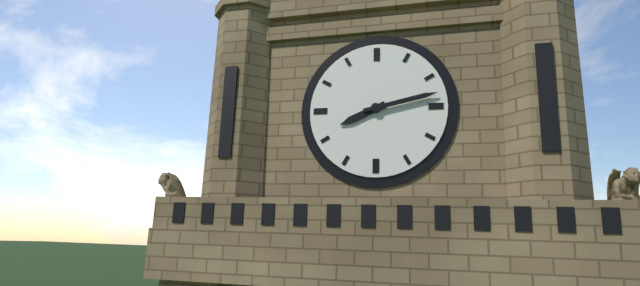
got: 8h13
